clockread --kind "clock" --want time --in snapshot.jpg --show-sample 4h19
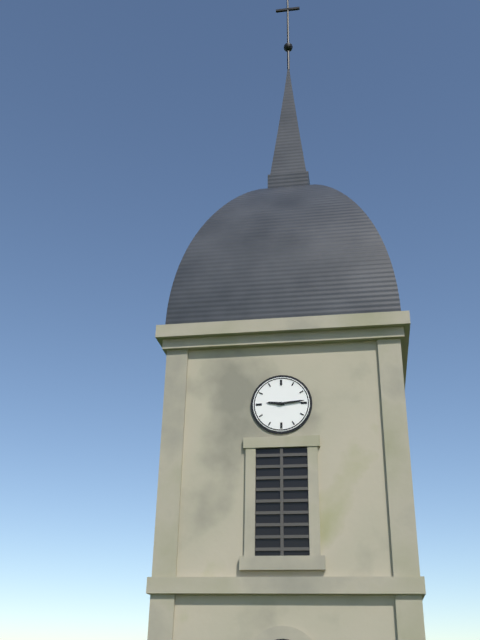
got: 9h14
